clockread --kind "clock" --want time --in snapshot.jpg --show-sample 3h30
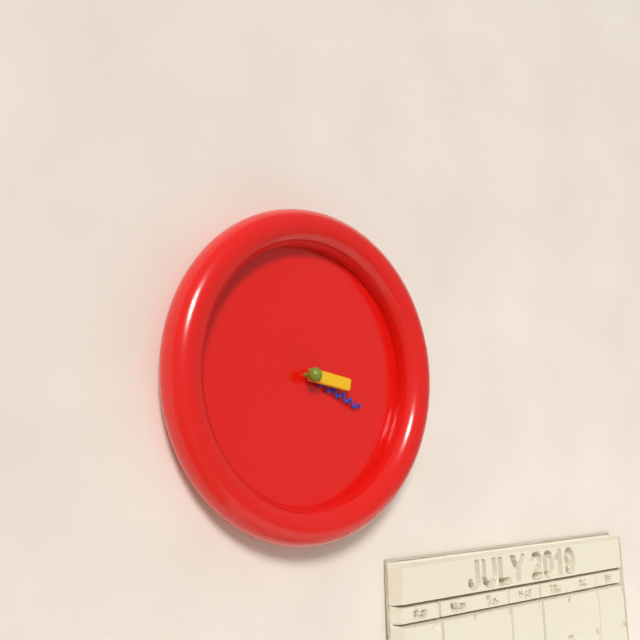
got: 3h19
